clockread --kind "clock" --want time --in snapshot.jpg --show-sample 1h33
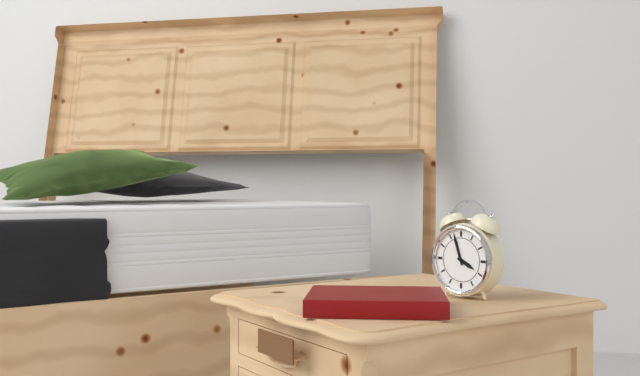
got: 3h57
